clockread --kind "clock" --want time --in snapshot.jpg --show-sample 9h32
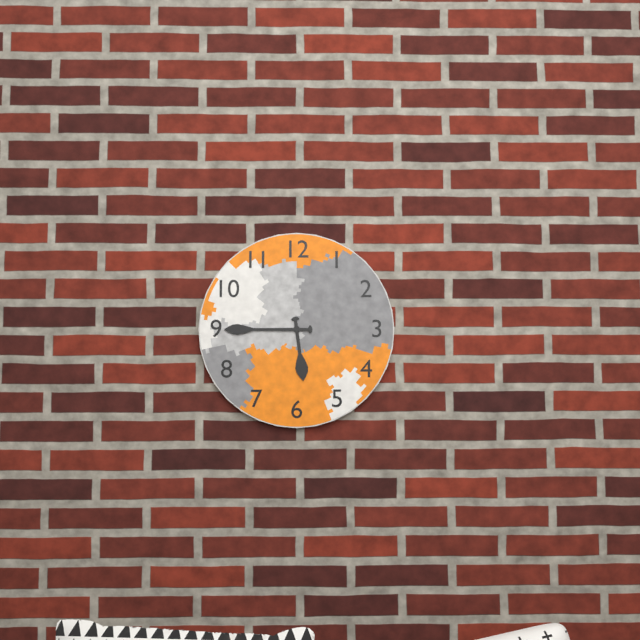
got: 5h45
